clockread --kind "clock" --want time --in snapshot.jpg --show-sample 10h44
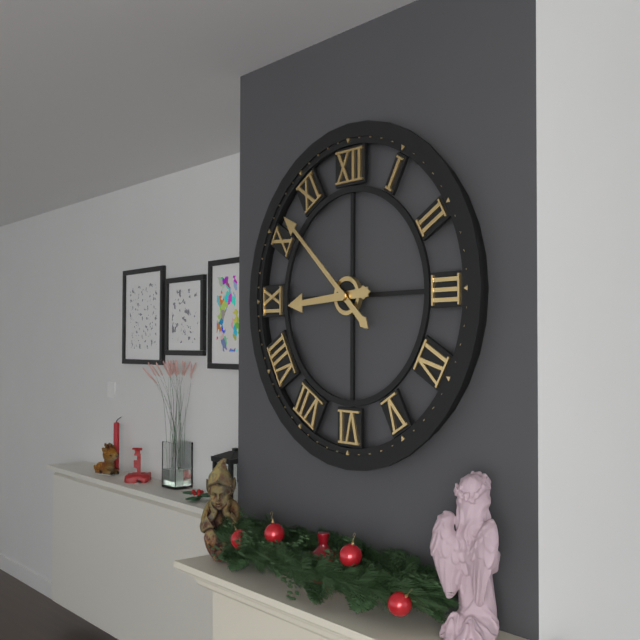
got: 8h52
